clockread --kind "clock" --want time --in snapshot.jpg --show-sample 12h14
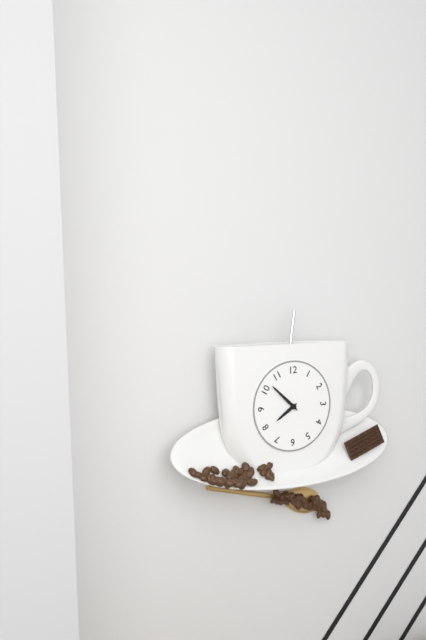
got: 7h52
